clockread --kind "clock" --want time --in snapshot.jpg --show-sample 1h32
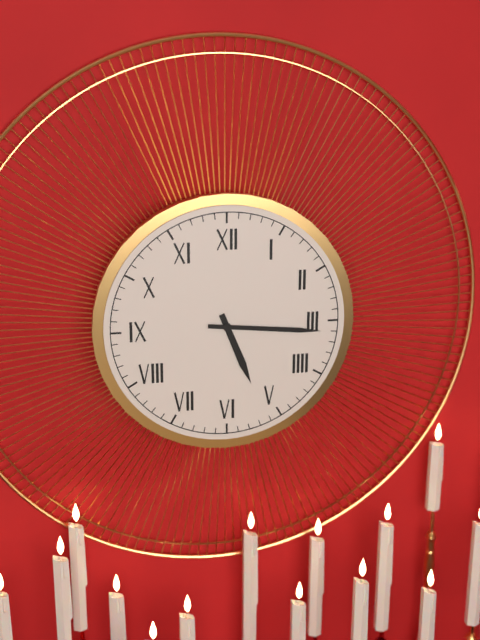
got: 5h16
